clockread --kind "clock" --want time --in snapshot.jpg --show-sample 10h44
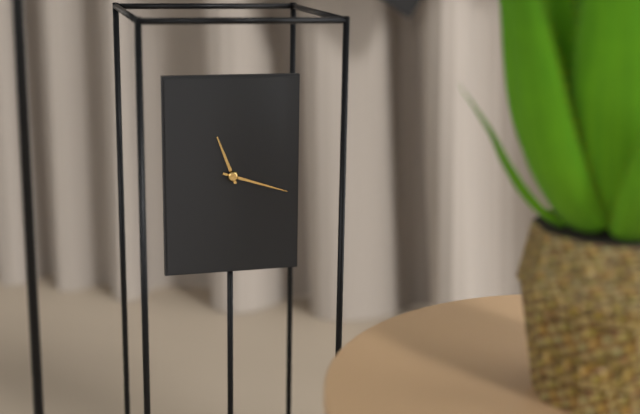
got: 11h18
